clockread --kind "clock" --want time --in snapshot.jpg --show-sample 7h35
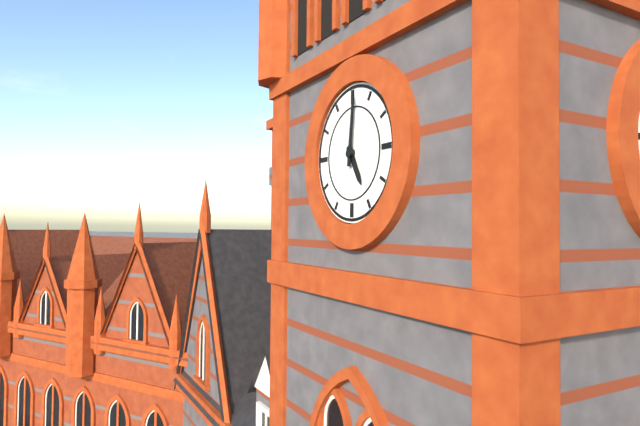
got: 5h01
